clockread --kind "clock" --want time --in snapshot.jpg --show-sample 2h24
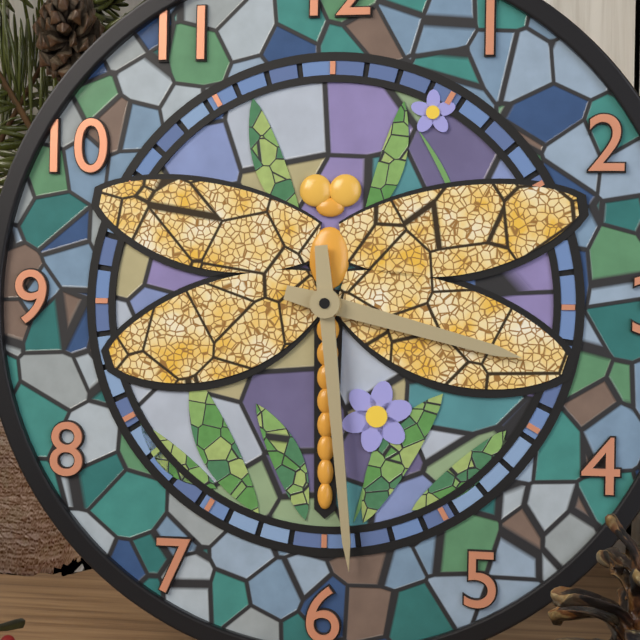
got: 3h29
